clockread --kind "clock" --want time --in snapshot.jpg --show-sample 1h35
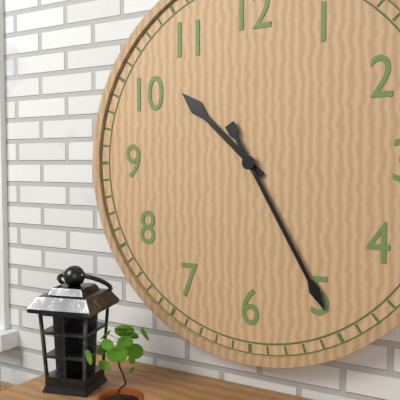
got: 10h25
